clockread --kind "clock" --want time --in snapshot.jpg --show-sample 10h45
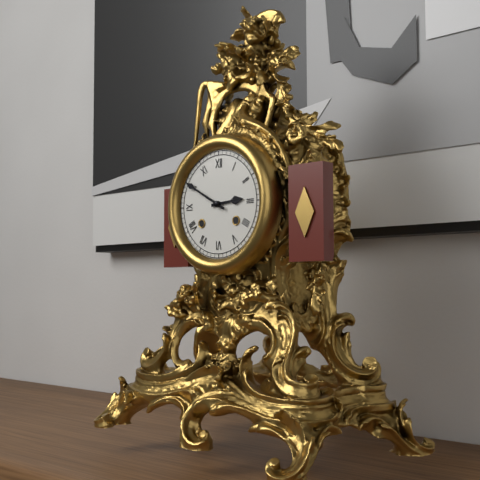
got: 2h50
